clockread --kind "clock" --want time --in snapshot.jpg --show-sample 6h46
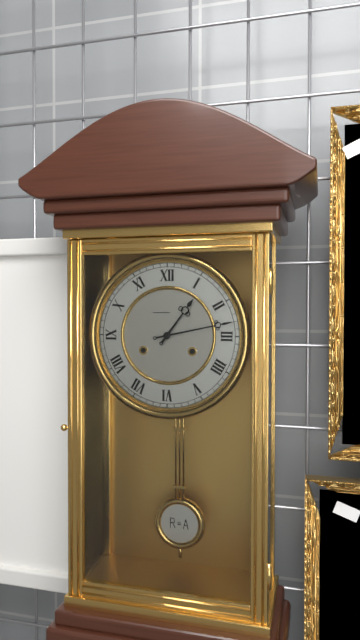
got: 1h13
